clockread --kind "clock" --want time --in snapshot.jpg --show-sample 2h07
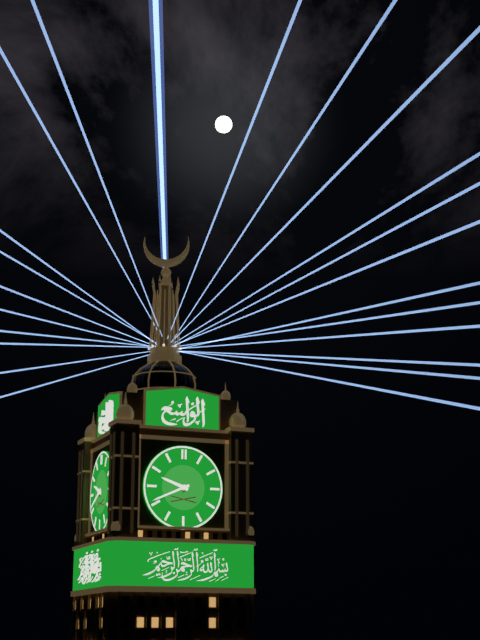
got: 9h41
